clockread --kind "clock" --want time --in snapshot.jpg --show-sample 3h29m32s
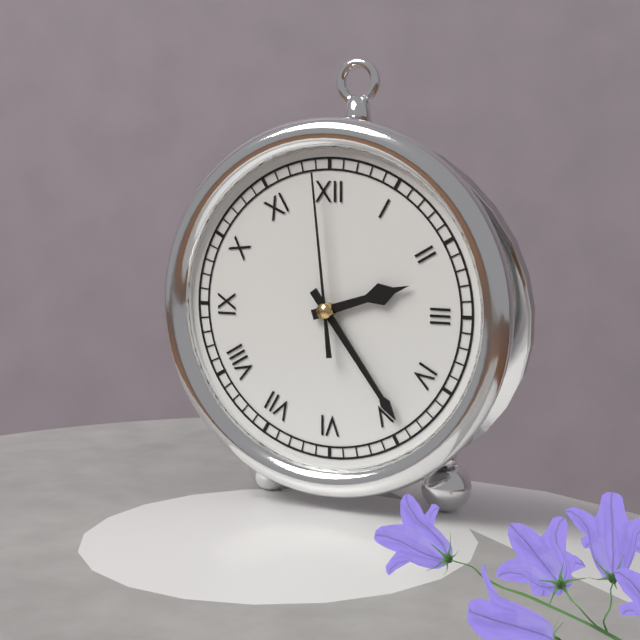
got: 2h24m59s
